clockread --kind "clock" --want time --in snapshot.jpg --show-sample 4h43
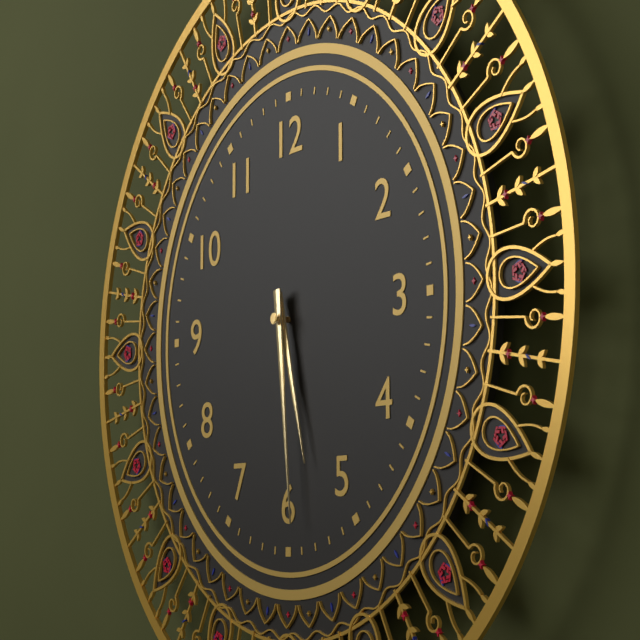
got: 5h29
